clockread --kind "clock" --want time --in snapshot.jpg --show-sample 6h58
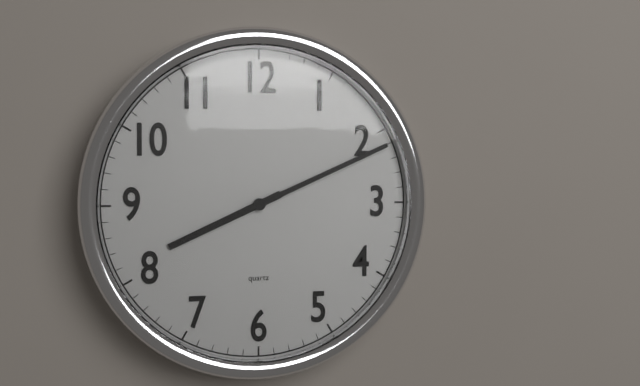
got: 8h11
